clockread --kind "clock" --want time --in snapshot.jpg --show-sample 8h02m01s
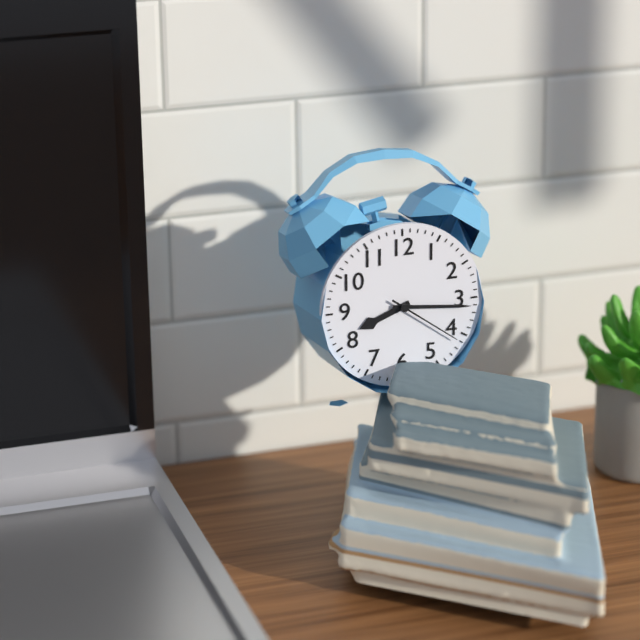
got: 8h16m21s
